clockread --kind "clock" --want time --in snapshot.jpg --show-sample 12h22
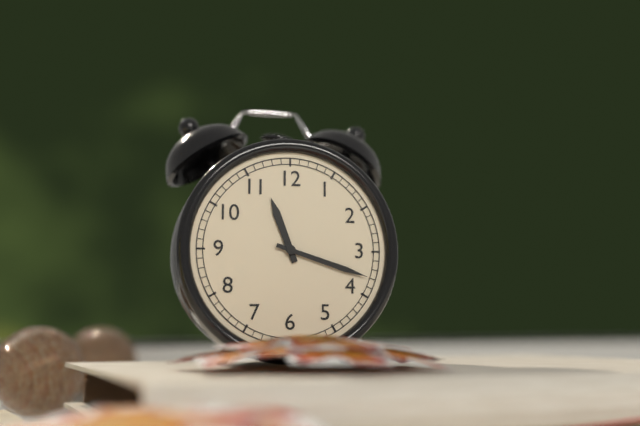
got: 11h18
